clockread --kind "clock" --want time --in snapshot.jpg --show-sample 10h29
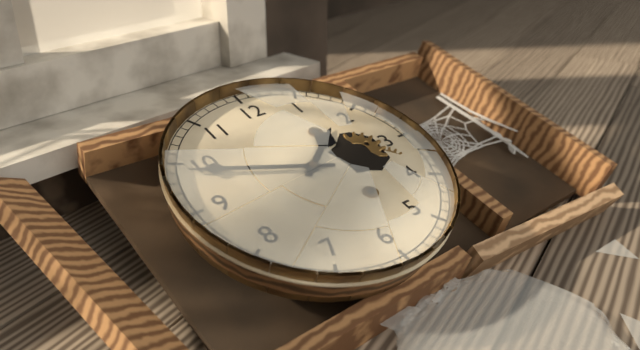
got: 1h49
